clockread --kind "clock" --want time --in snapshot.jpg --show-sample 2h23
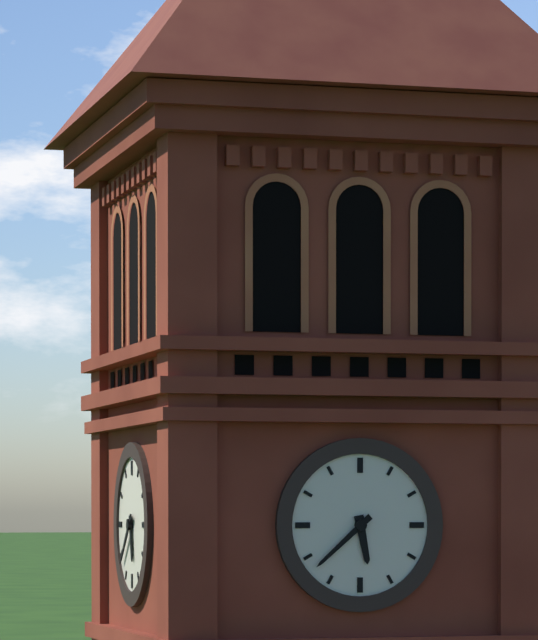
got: 5h38
